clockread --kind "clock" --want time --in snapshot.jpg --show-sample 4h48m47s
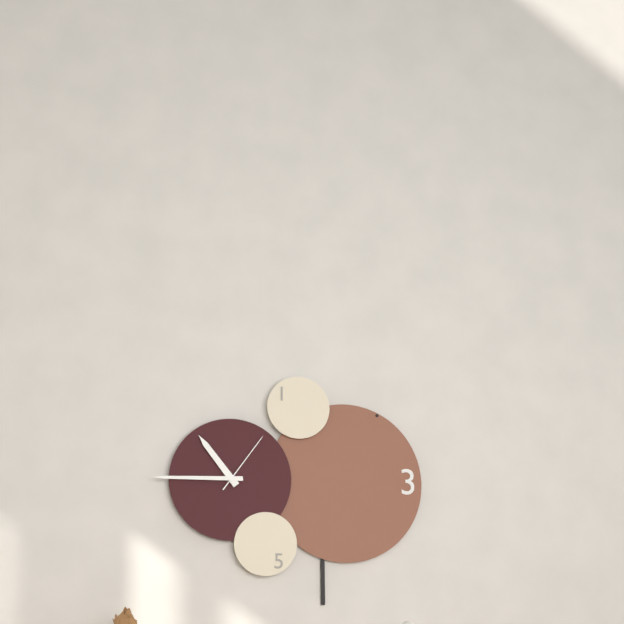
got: 10h45m06s
